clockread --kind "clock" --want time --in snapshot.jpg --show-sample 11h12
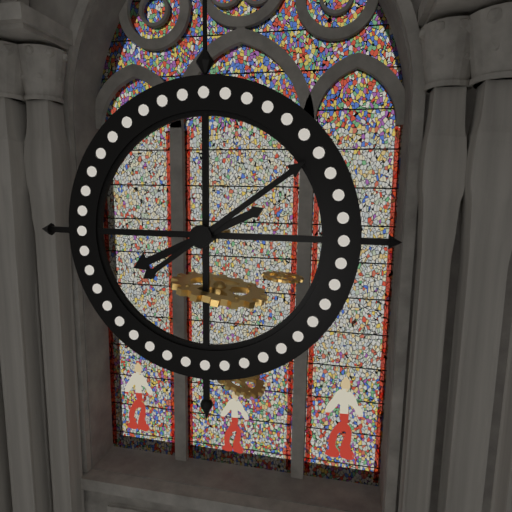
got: 8h09
